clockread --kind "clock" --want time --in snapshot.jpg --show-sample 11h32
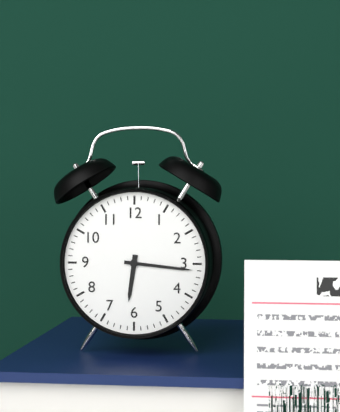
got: 6h16
